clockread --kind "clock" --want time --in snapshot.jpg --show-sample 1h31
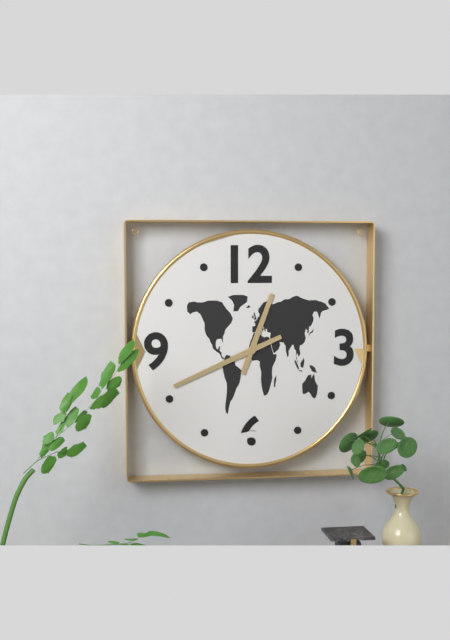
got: 12h41
